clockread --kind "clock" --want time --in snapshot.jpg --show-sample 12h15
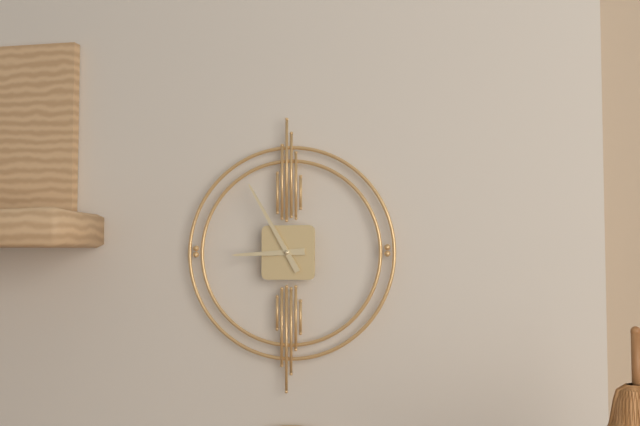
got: 8h55
